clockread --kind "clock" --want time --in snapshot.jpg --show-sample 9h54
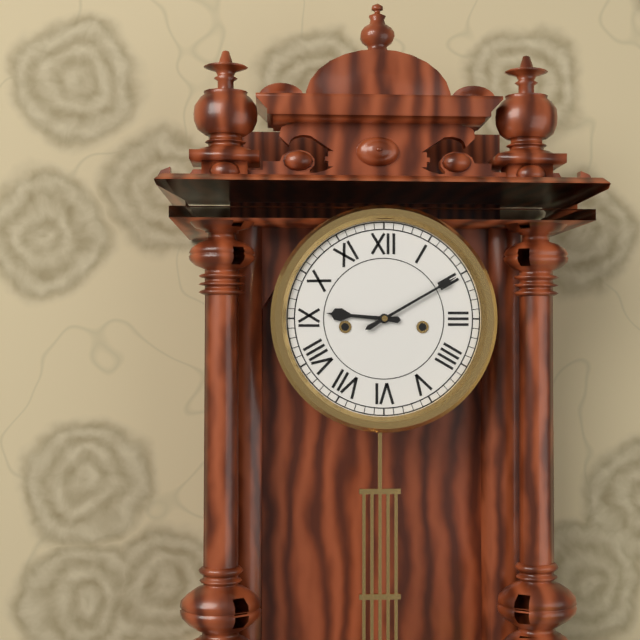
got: 9h10
